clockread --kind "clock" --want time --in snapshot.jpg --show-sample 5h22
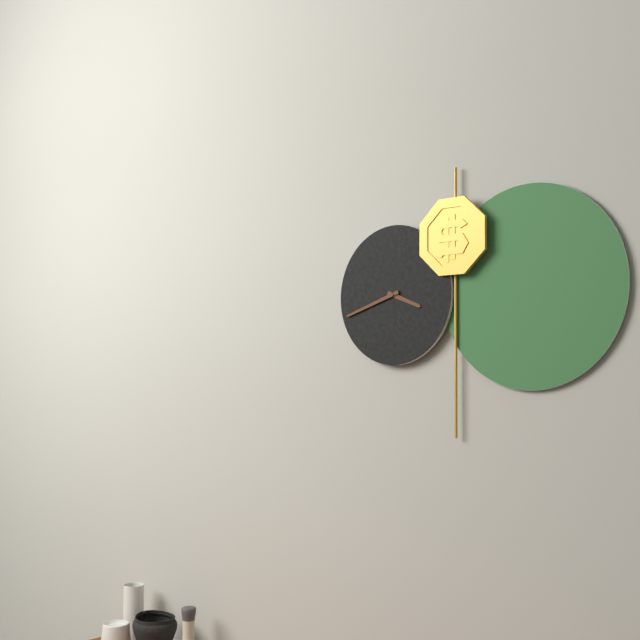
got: 3h42
